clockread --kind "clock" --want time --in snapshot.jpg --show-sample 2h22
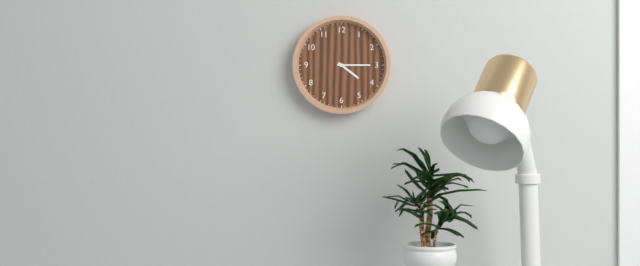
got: 4h15
